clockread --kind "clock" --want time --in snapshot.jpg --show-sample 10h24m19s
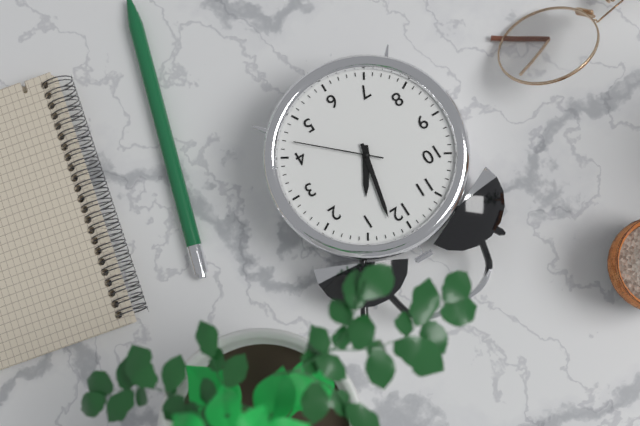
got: 1h02m22s
